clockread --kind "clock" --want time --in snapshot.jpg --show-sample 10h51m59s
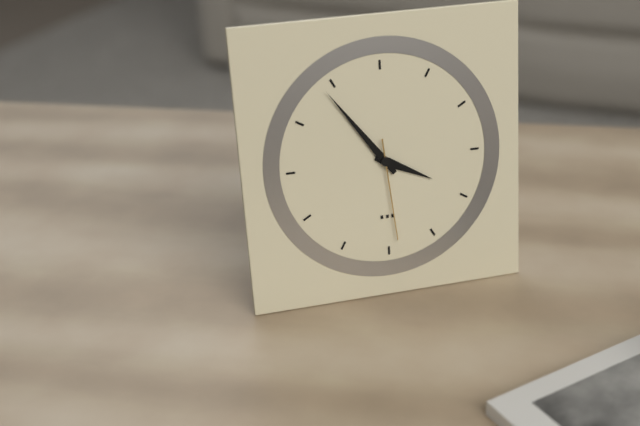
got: 3h54m29s
